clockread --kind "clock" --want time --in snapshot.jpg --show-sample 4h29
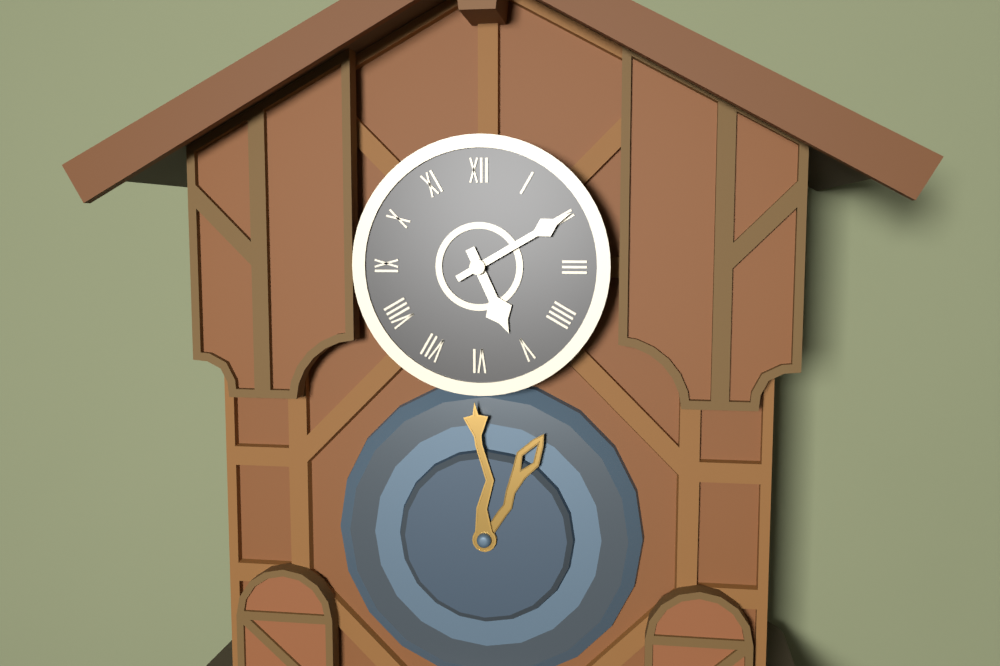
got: 5h10
